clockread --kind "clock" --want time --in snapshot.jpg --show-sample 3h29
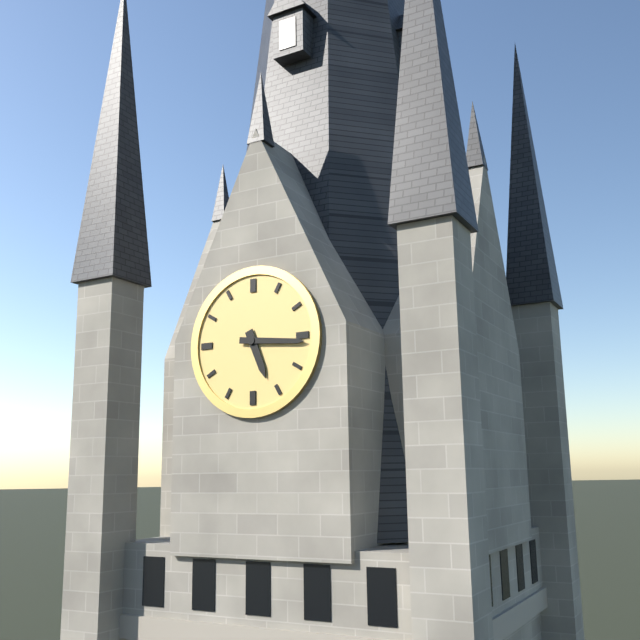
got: 5h16
